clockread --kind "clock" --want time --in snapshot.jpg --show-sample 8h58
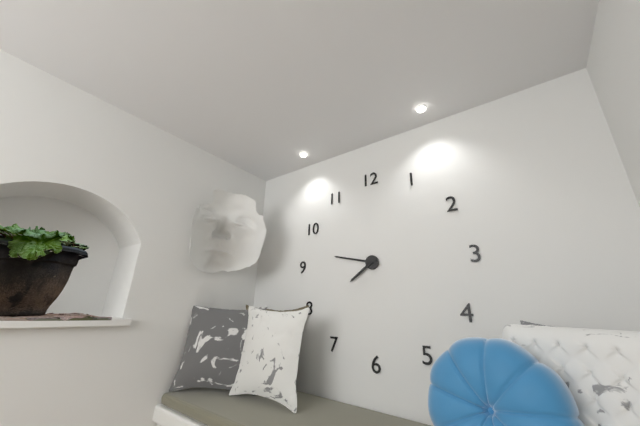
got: 7h47
